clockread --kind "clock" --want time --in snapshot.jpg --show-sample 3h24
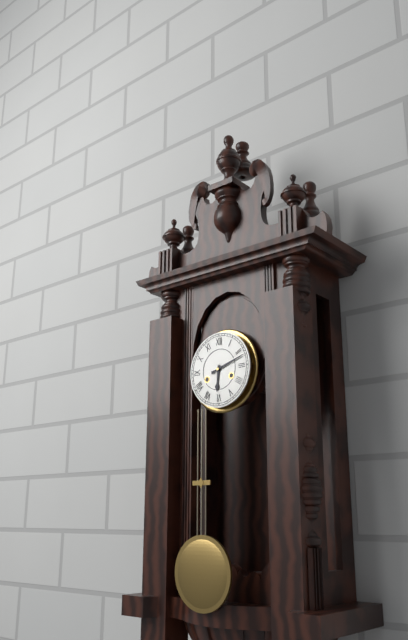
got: 6h12
